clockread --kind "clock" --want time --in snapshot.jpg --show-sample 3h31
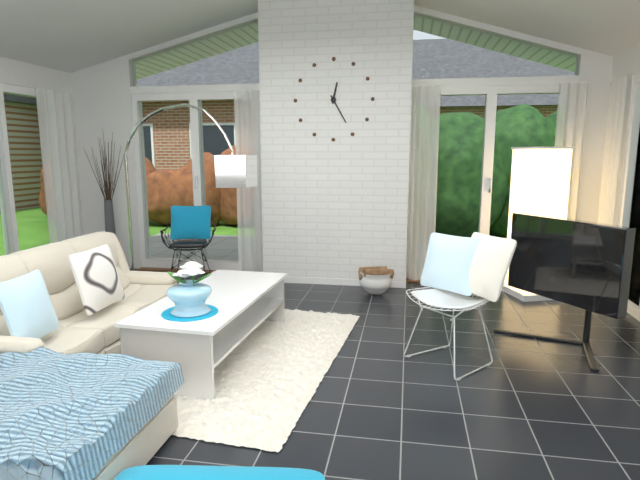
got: 12h25
